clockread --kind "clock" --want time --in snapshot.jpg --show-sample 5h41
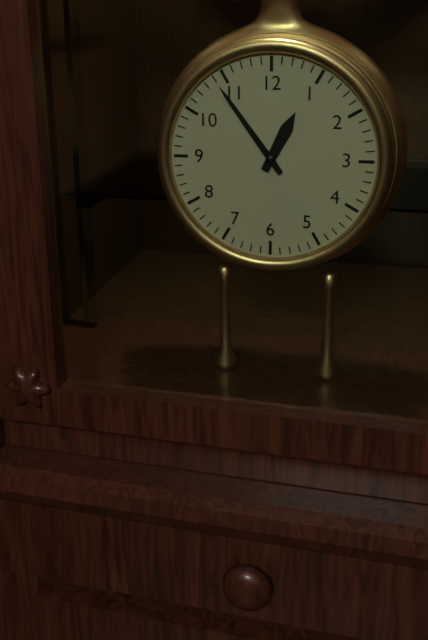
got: 12h54
